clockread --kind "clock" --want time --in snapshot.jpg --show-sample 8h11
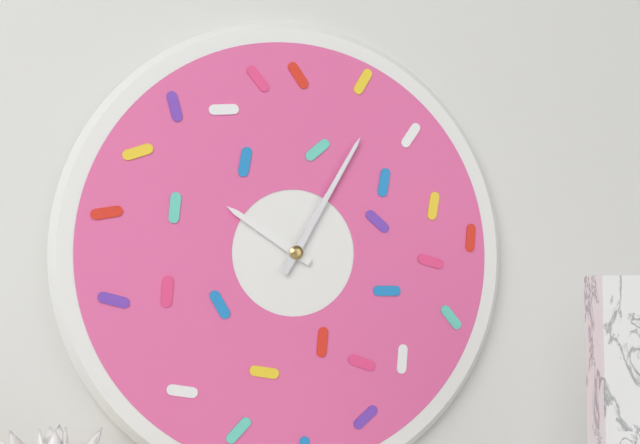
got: 10h05
